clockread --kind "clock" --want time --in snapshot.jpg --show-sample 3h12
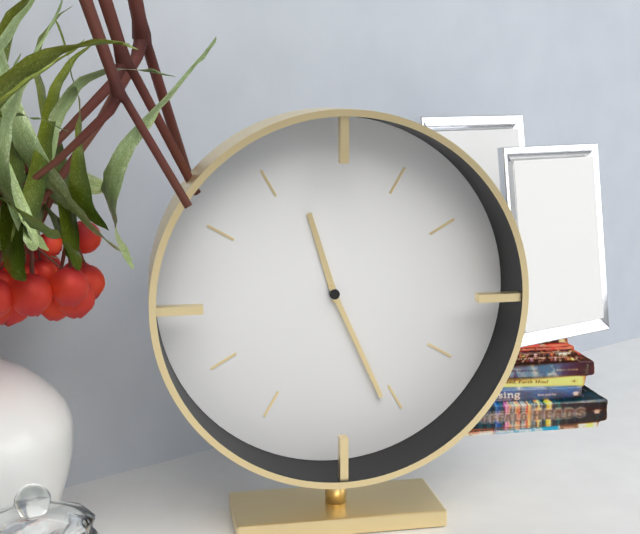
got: 11h26
